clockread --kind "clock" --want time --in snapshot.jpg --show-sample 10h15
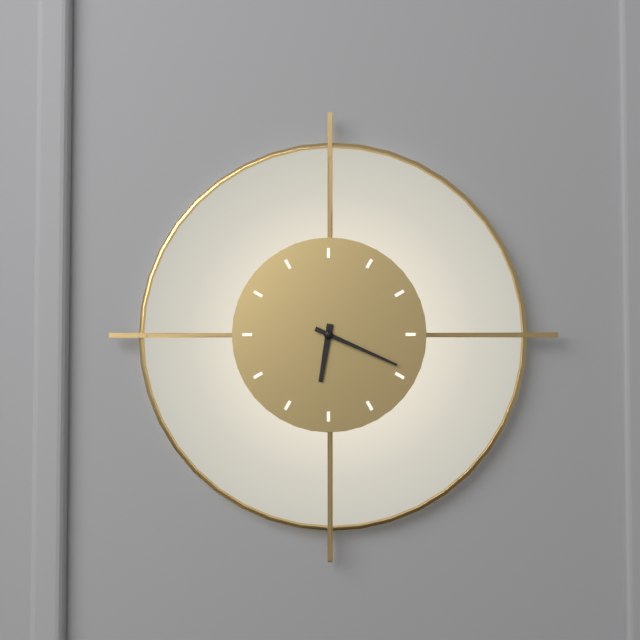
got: 6h19
